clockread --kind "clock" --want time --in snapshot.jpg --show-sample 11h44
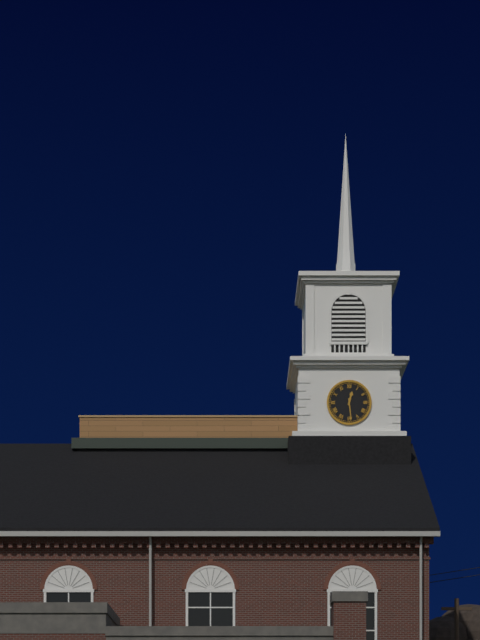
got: 12h29
